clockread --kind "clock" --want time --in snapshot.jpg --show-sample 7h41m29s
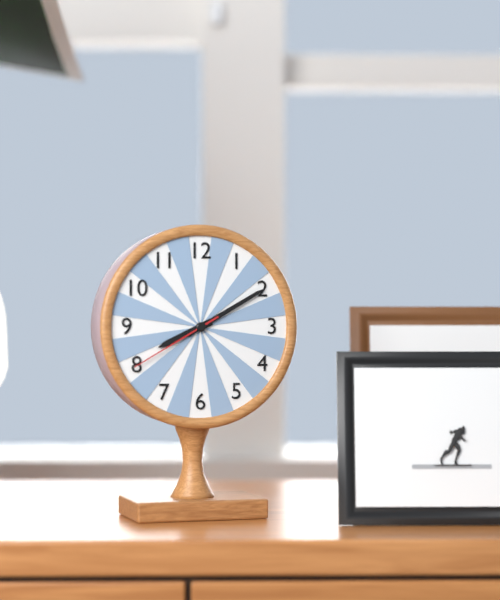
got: 8h10m40s
